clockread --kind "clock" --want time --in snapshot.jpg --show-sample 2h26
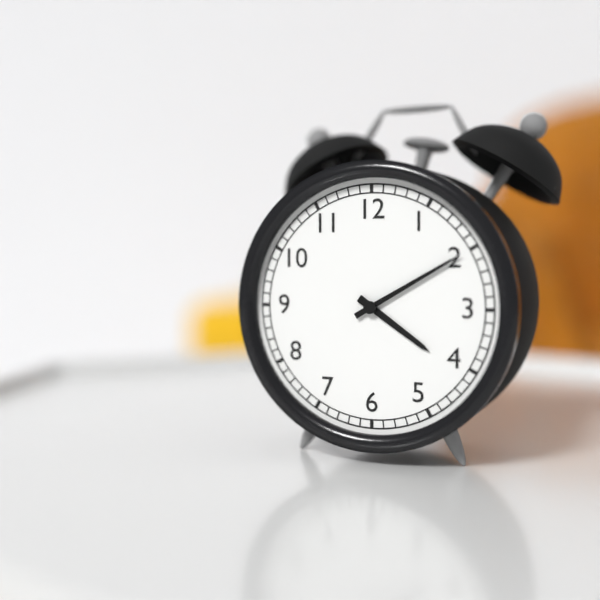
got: 4h10
